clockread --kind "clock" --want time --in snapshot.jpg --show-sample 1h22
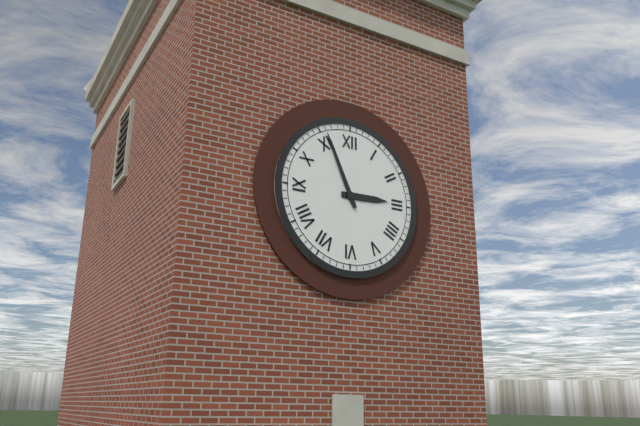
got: 2h56
